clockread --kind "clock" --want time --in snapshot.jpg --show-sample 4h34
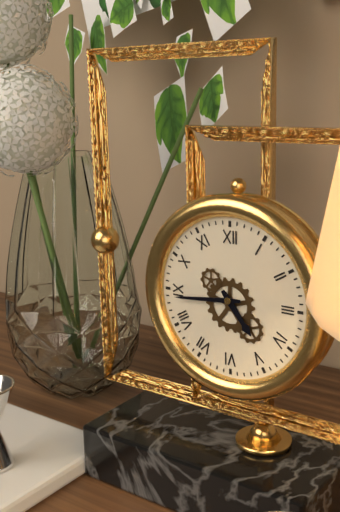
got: 4h44
